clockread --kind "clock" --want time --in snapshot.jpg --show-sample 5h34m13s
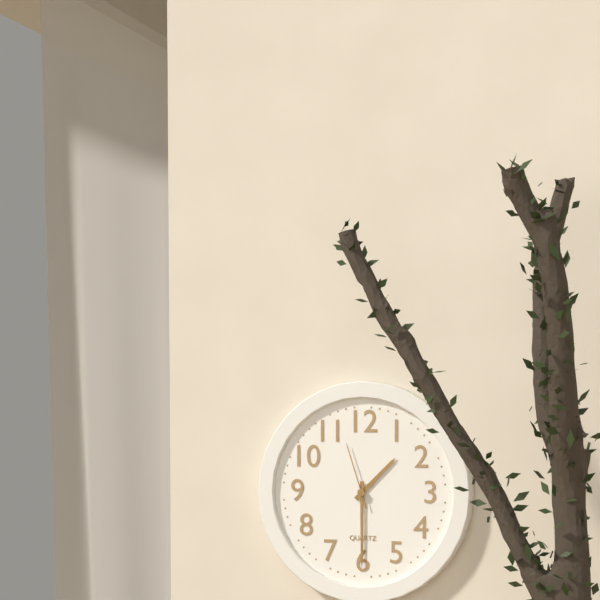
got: 1h30m57s
